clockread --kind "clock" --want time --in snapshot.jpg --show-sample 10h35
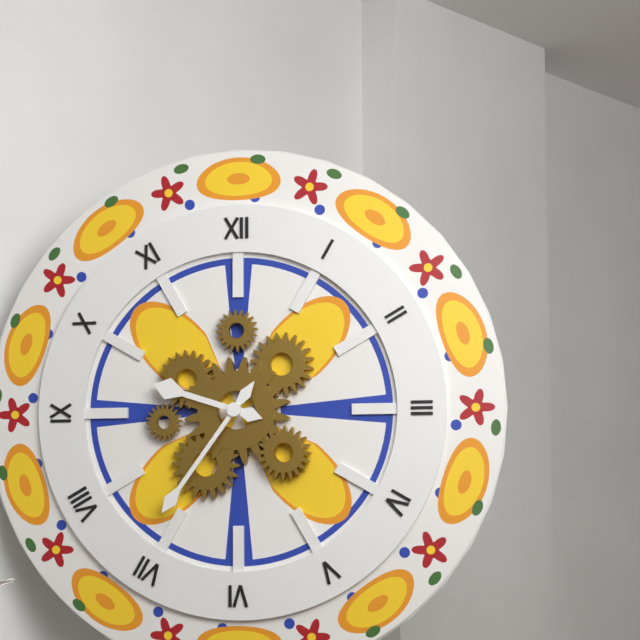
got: 9h36
